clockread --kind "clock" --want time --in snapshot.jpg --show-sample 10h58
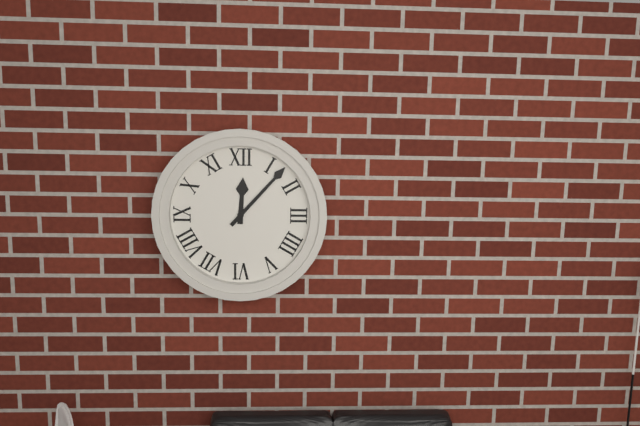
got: 12h07
